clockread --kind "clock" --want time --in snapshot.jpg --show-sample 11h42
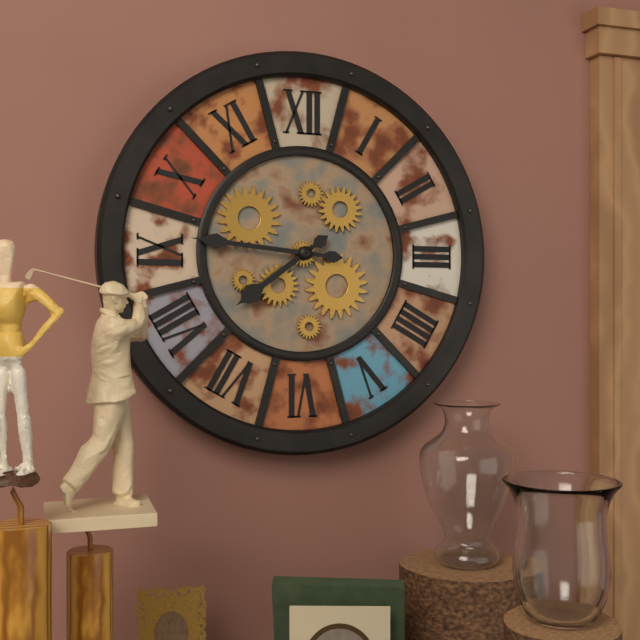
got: 7h46
